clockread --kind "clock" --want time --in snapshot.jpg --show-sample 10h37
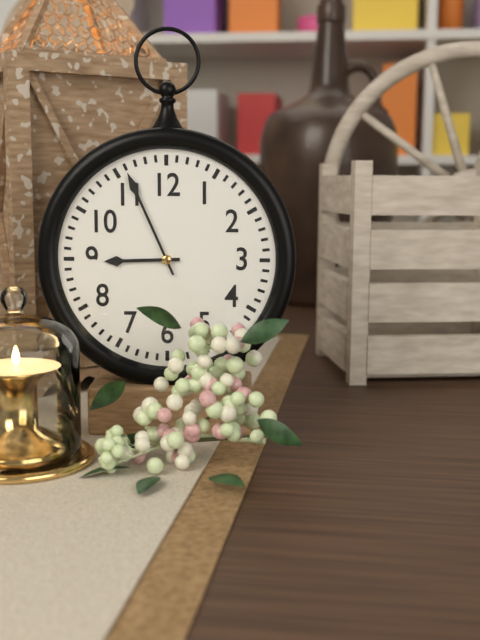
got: 8h56
